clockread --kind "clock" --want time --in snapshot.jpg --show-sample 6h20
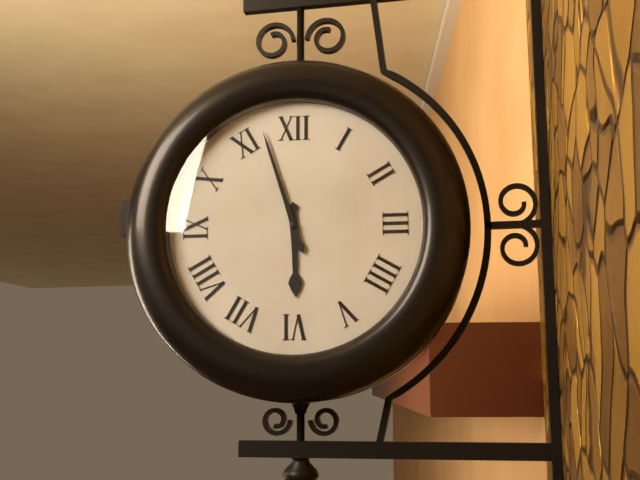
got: 5h57
